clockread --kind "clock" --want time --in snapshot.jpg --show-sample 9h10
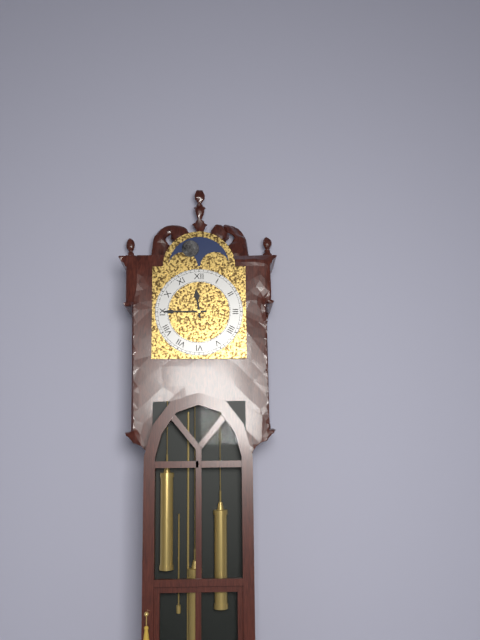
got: 11h45
